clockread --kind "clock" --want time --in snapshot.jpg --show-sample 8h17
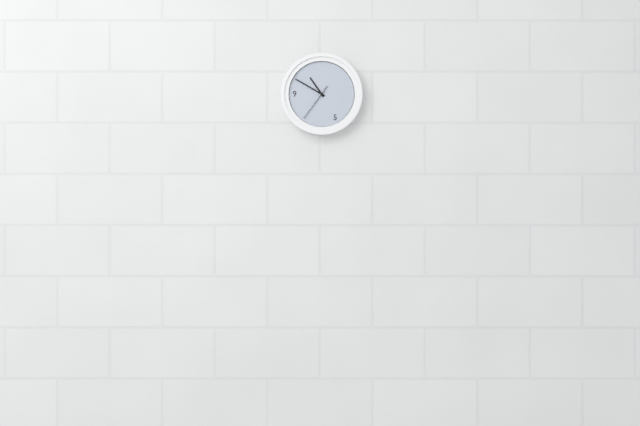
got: 10h50
